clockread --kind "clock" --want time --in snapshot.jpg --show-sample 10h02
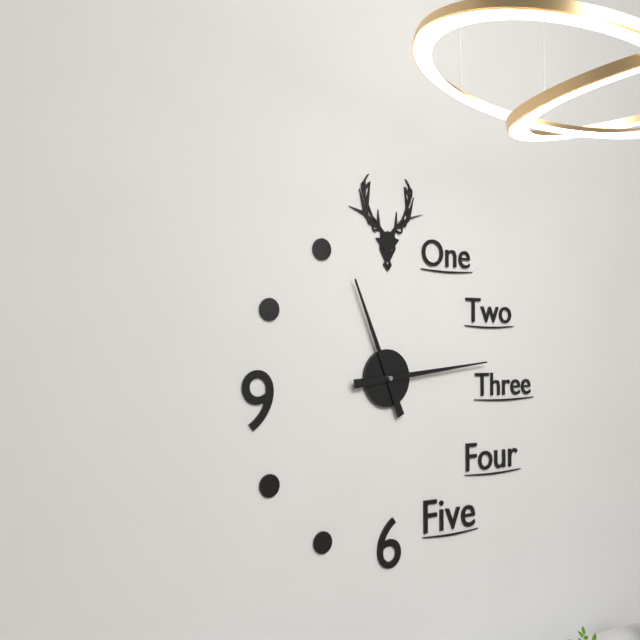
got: 11h14
